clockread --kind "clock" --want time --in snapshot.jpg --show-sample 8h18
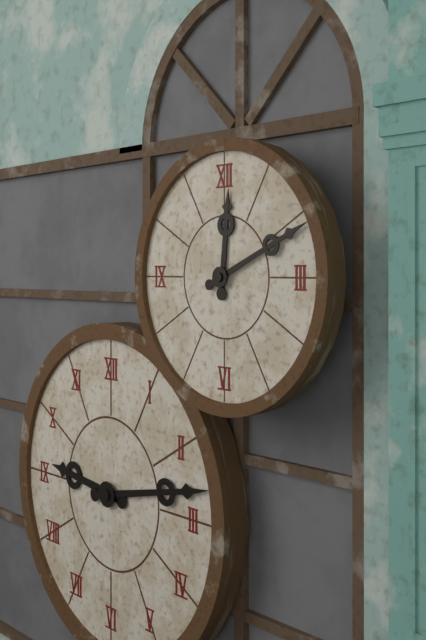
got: 12h11
